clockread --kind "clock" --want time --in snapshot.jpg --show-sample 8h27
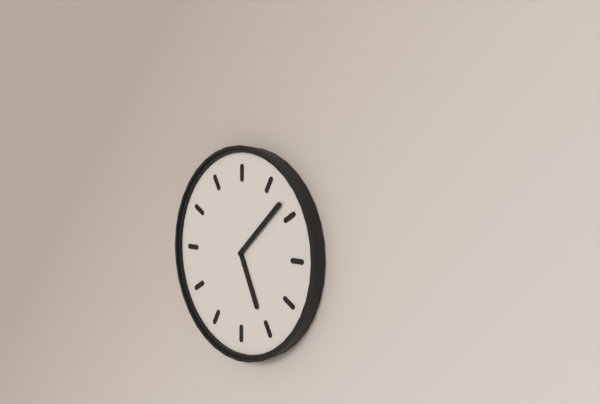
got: 5h08
